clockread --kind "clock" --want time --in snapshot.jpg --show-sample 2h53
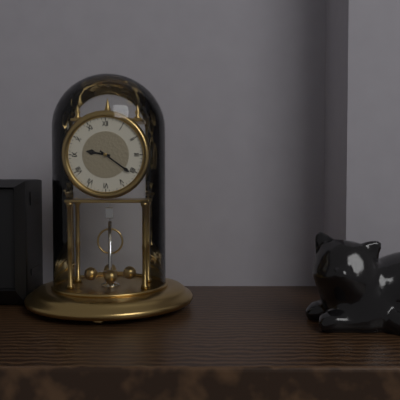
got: 9h21
